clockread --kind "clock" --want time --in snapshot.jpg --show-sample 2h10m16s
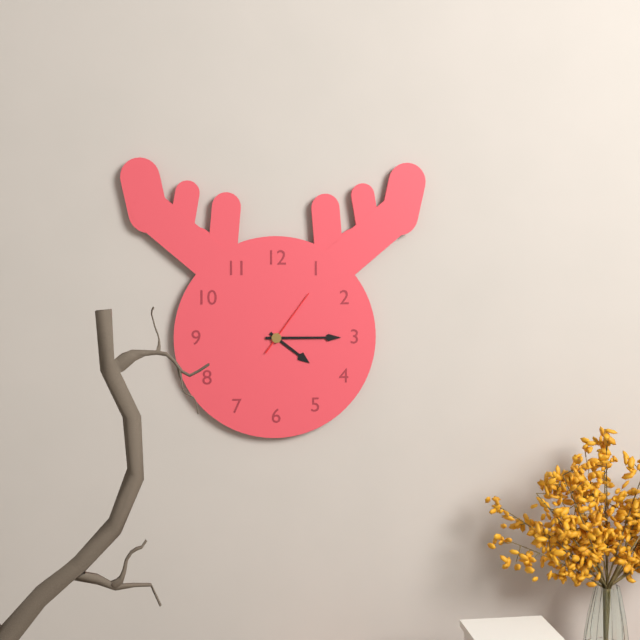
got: 4h15m06s
